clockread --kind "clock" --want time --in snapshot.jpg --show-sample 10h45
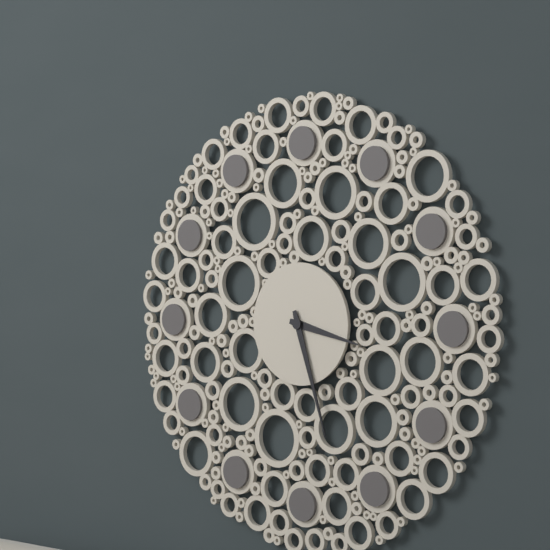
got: 3h27
